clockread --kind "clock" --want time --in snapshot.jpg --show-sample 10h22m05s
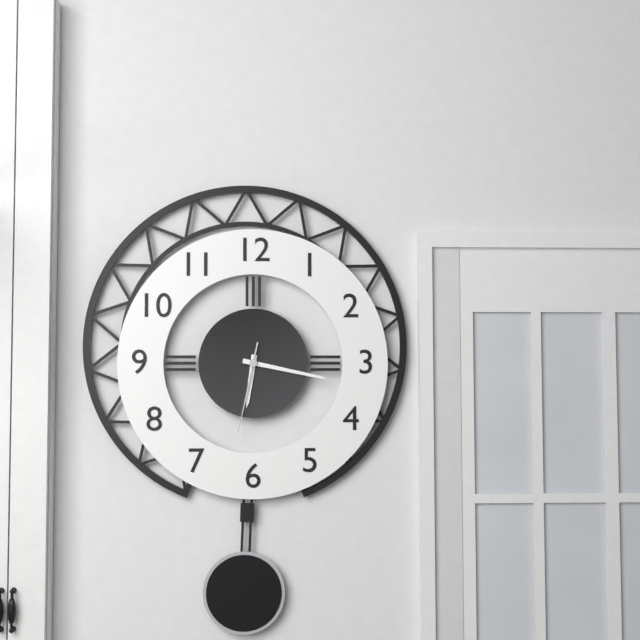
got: 6h17m32s
